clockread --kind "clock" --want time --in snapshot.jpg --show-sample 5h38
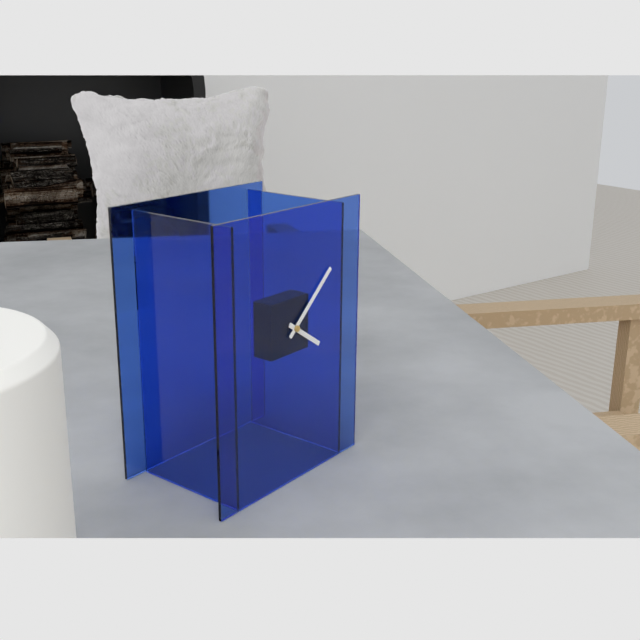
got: 4h08
